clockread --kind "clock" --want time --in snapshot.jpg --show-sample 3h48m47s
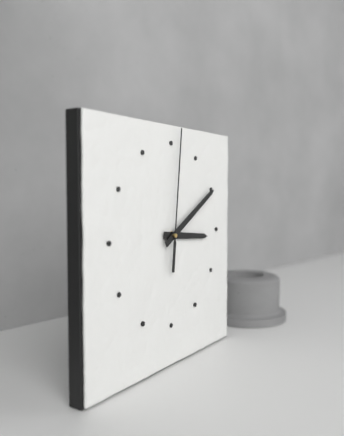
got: 3h10m01s
